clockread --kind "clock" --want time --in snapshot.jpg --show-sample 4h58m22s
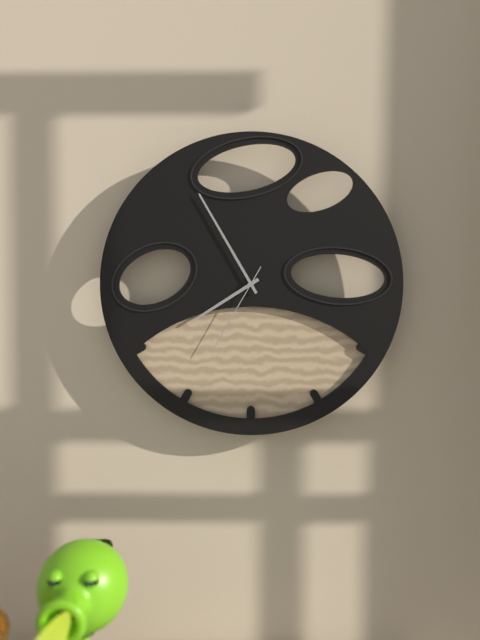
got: 7h55m35s
